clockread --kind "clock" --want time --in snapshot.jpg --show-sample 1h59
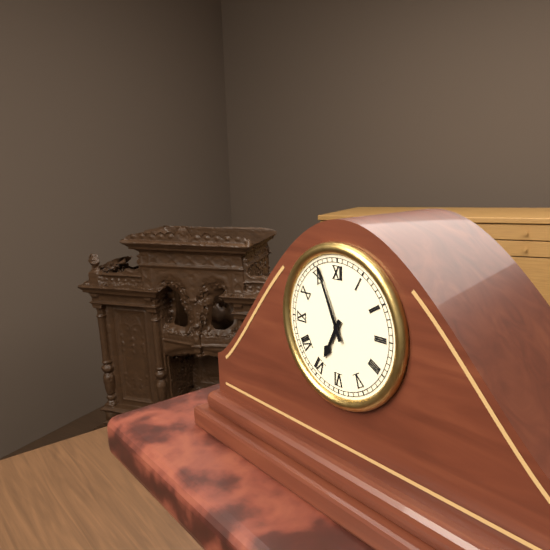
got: 6h56
